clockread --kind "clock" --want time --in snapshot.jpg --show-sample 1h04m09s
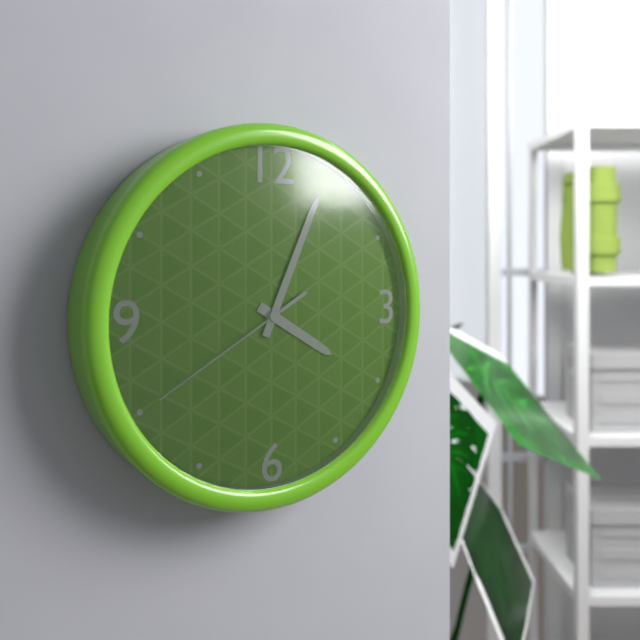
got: 4h04m40s
